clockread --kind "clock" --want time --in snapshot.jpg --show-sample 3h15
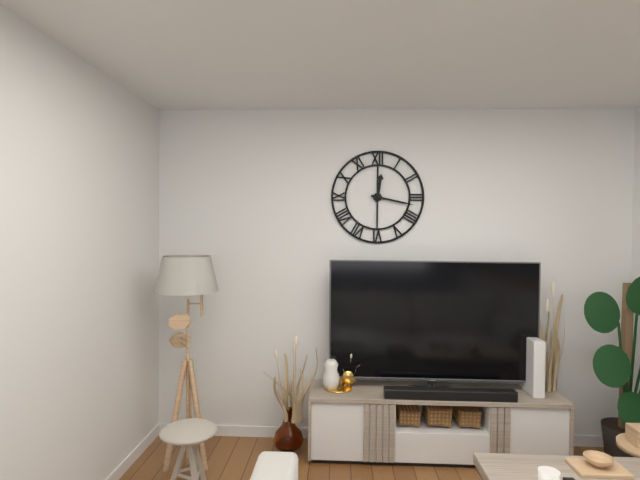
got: 12h17
